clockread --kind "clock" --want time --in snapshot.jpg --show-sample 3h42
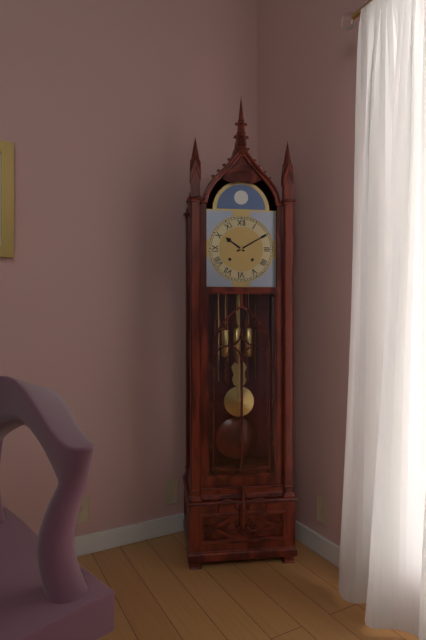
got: 10h10
